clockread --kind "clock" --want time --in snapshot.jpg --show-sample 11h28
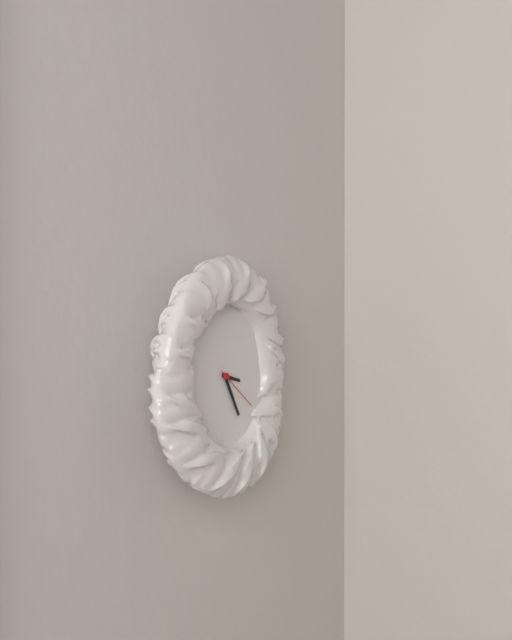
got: 3h25
